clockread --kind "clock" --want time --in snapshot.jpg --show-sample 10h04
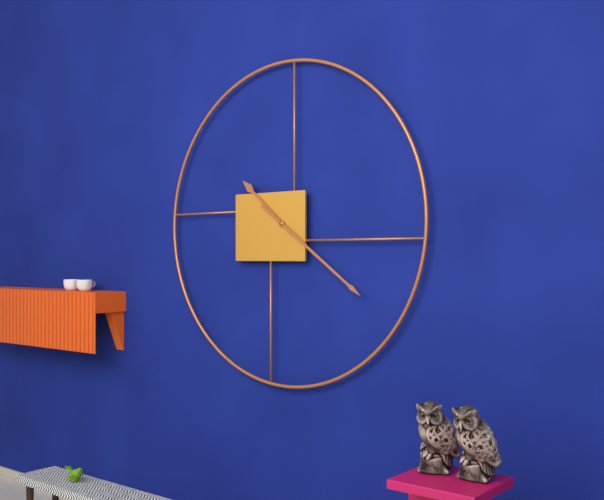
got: 10h21
